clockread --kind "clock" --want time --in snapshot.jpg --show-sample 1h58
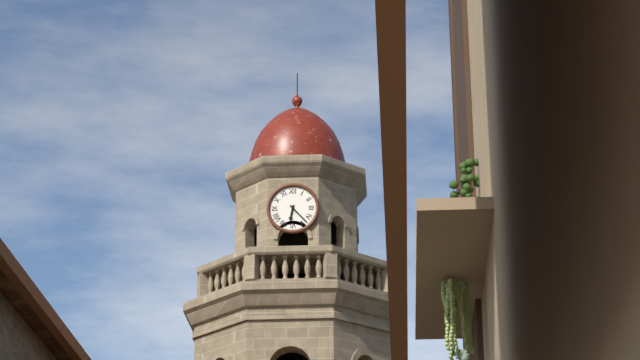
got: 6h23
